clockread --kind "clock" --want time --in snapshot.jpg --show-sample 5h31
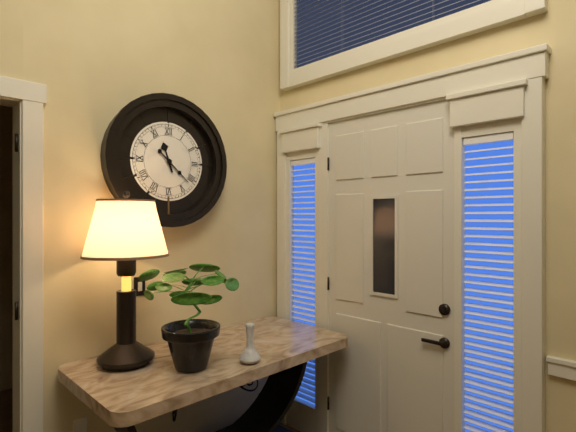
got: 11h22
